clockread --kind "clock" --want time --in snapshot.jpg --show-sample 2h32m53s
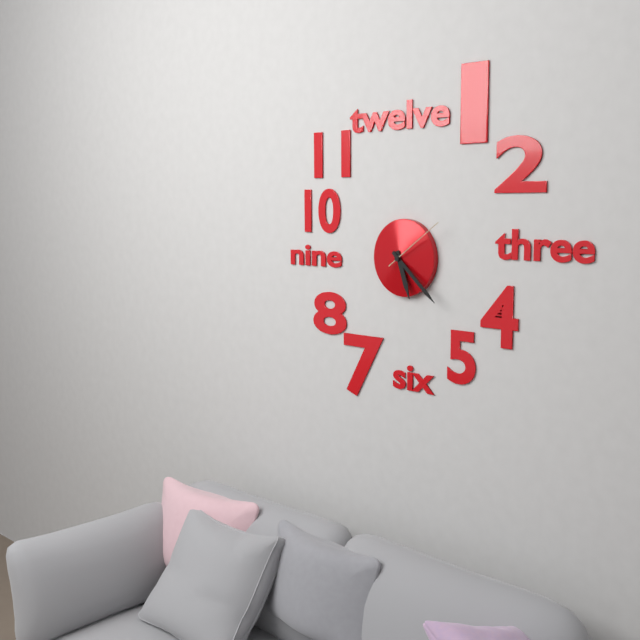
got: 5h22m09s
